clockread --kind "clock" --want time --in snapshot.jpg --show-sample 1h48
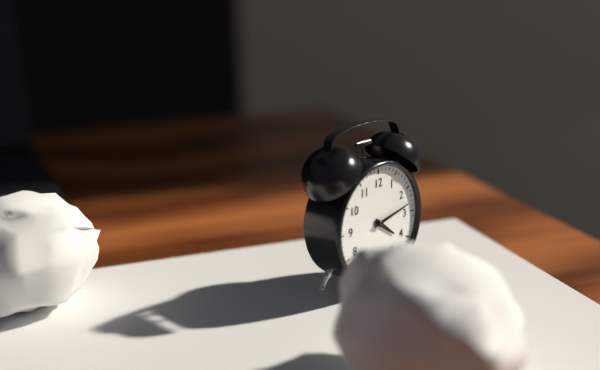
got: 4h13
